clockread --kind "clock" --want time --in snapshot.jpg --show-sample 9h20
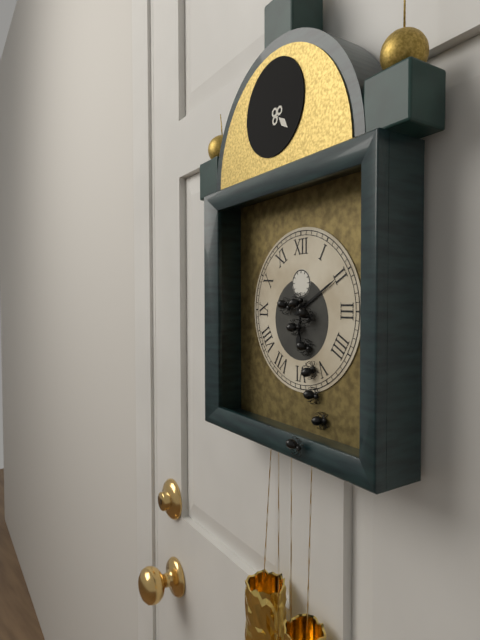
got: 6h10
